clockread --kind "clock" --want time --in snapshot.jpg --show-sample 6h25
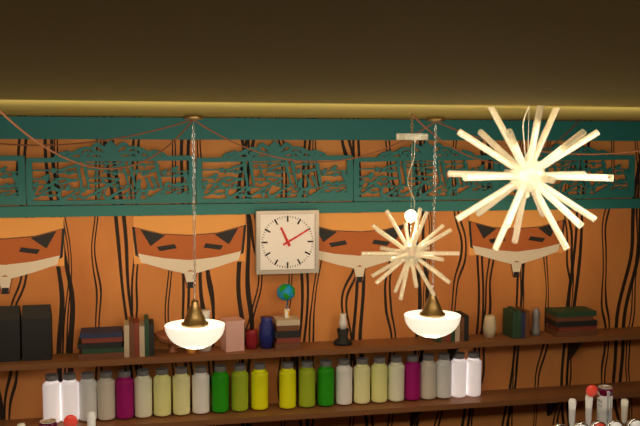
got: 11h10
